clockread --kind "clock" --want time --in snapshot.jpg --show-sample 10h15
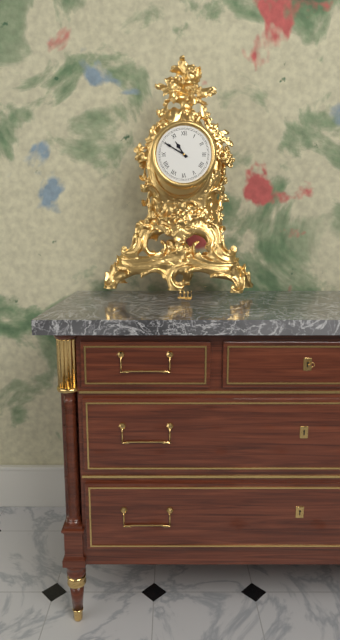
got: 10h50
